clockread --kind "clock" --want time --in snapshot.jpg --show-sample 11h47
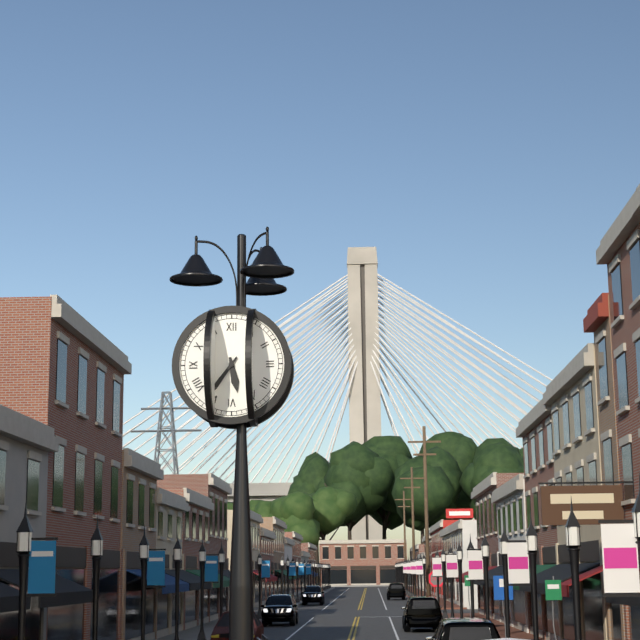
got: 5h36
